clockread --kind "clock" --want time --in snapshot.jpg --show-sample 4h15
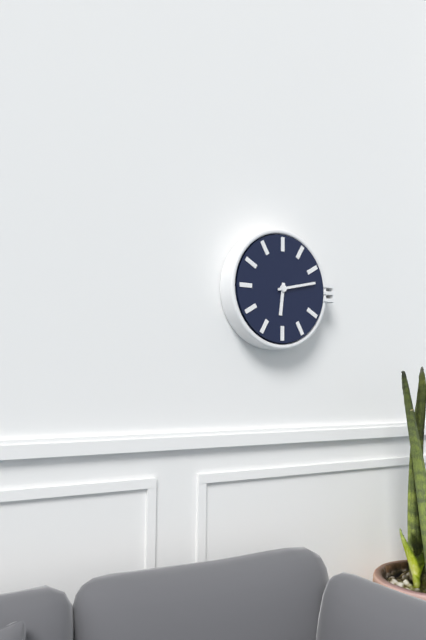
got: 6h13
